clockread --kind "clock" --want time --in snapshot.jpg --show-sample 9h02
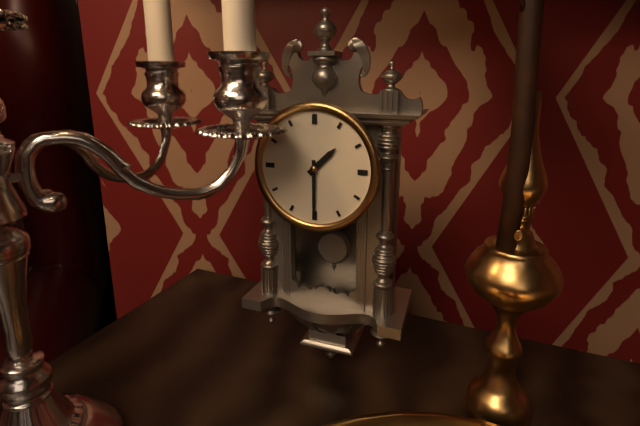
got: 1h30
